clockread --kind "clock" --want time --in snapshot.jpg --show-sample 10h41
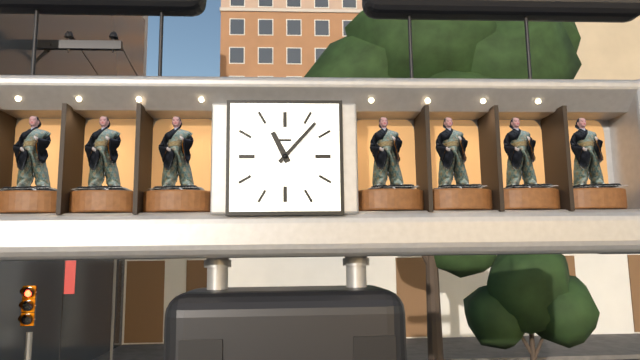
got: 11h07
